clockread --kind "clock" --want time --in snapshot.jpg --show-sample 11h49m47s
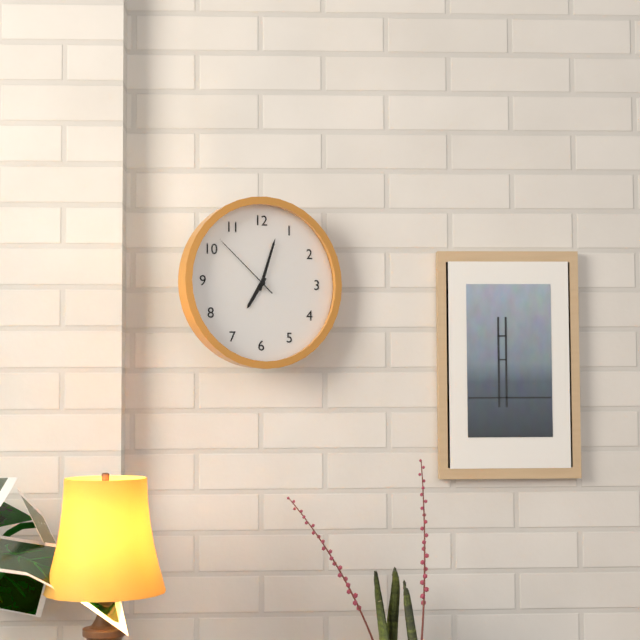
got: 7h03m52s
